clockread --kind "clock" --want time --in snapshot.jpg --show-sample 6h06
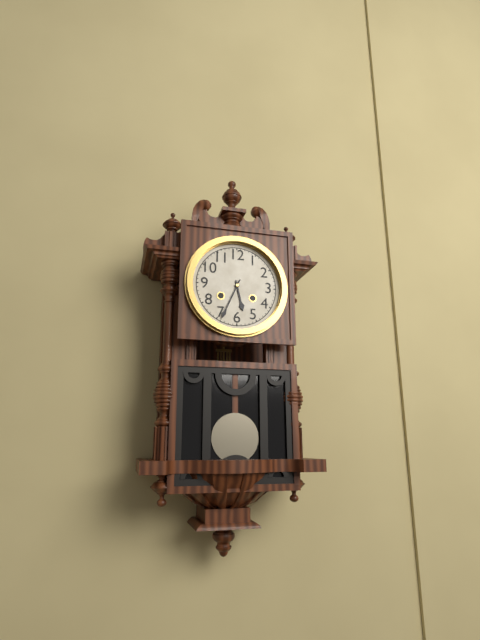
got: 5h34
